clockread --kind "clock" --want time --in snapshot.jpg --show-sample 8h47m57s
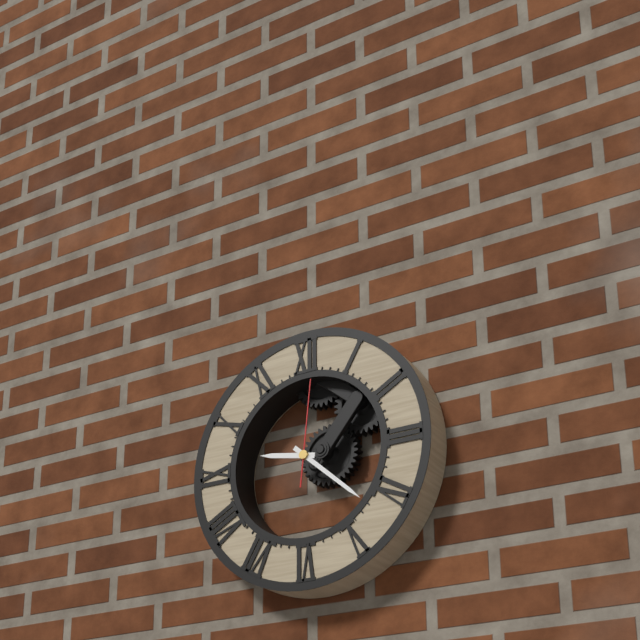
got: 9h22m01s
